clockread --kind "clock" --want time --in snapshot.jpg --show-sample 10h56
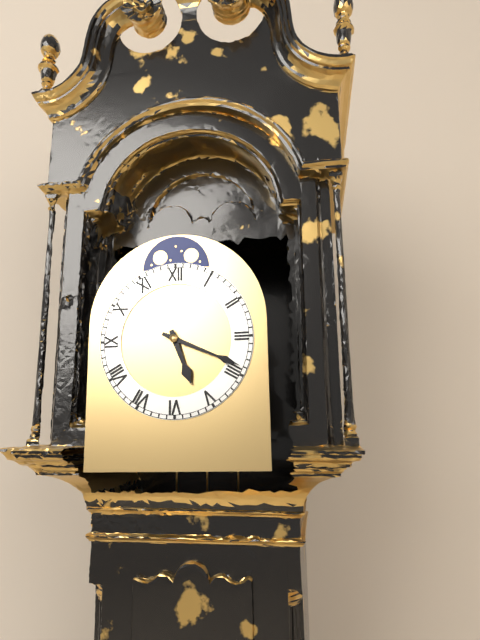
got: 5h19
